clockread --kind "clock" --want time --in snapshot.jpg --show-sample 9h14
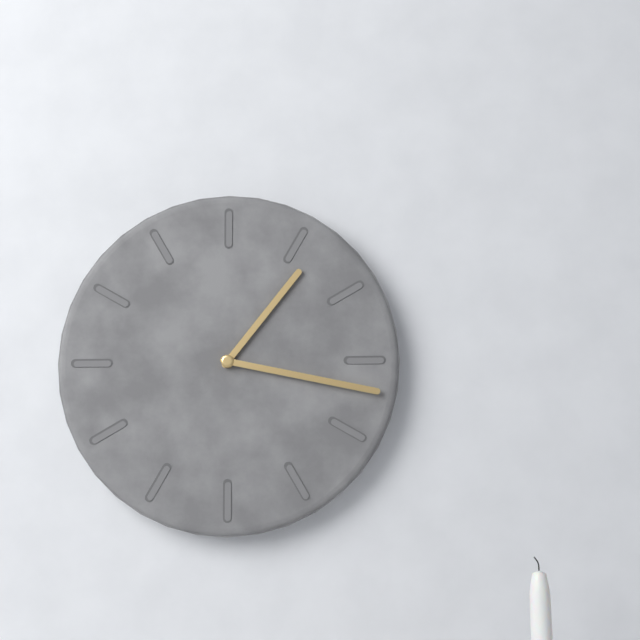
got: 1h17
